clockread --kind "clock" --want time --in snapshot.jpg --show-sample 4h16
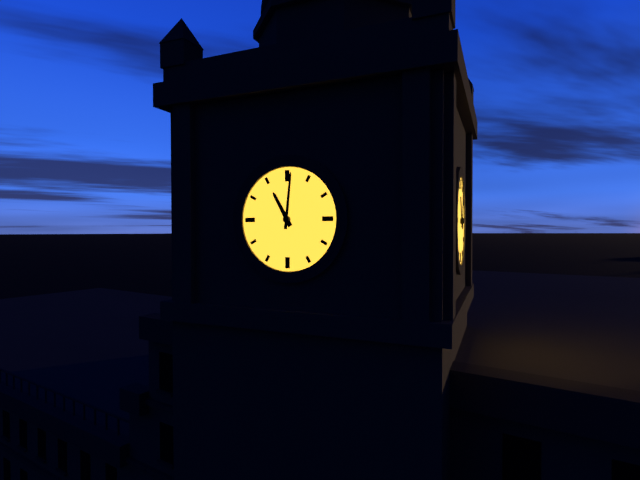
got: 11h01
